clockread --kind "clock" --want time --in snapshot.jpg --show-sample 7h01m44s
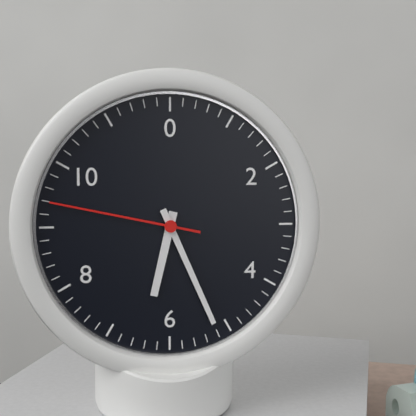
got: 6h26m47s
